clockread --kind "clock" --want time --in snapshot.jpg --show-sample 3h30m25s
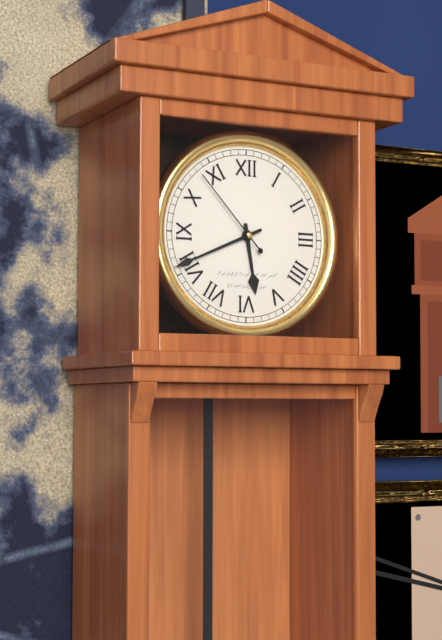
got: 5h41m53s
